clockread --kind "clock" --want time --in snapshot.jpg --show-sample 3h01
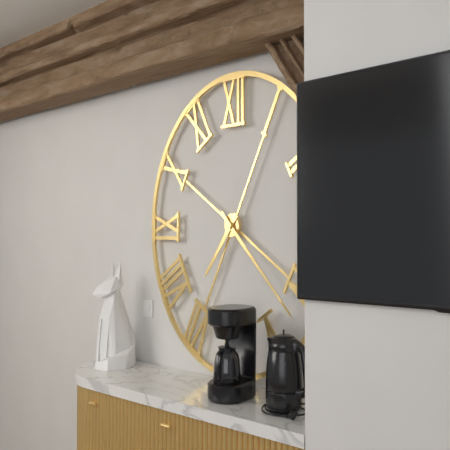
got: 7h22
